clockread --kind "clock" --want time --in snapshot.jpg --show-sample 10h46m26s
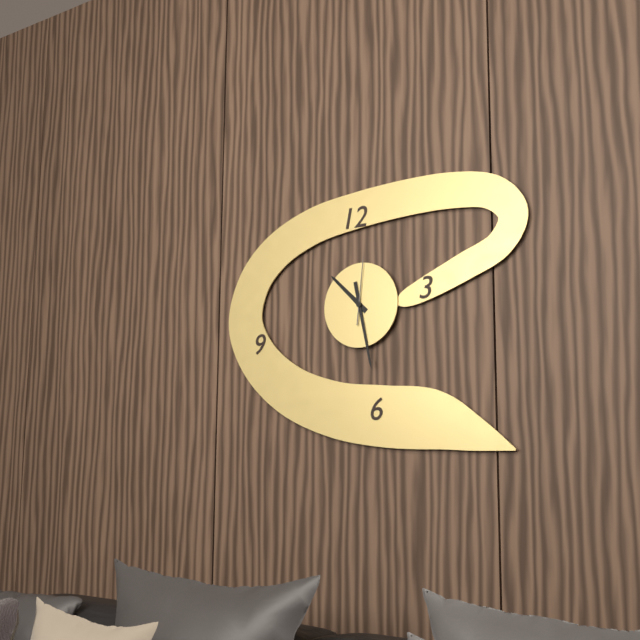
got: 10h28m01s
